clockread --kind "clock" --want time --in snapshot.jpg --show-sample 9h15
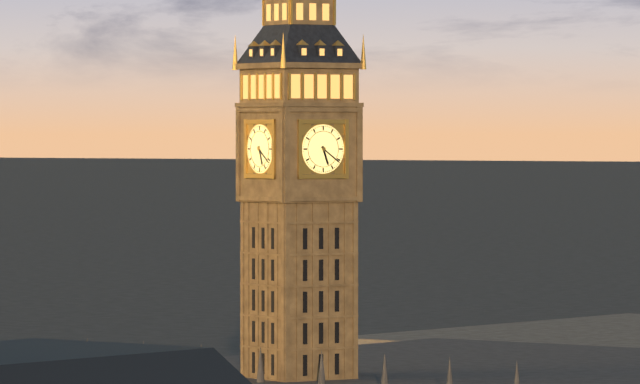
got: 5h21
